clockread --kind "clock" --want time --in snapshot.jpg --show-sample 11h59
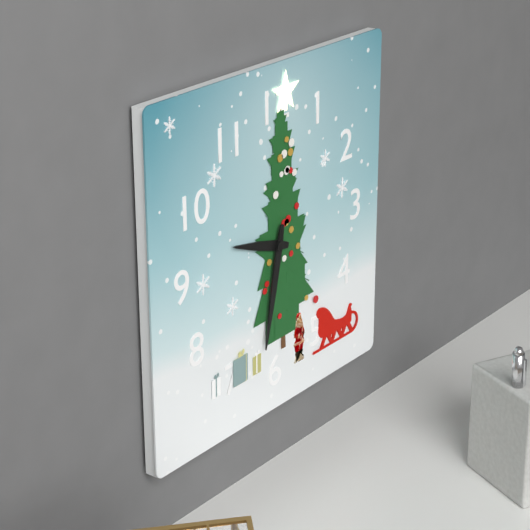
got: 9h32
